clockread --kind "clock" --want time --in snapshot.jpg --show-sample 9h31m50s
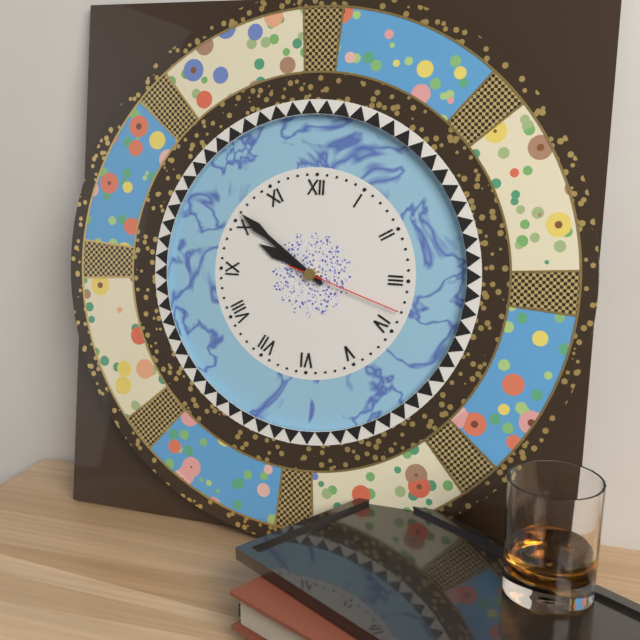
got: 9h51m18s
